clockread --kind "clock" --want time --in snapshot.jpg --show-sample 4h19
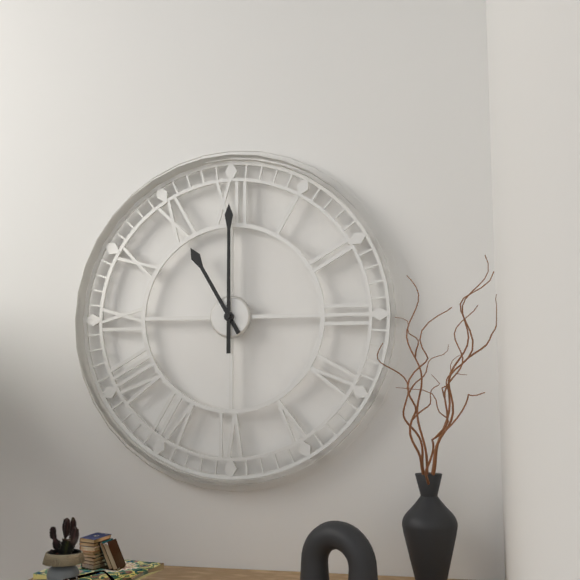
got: 11h00
